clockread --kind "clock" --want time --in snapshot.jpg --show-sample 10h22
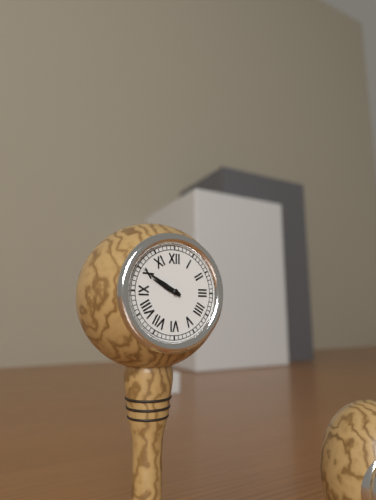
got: 9h50
